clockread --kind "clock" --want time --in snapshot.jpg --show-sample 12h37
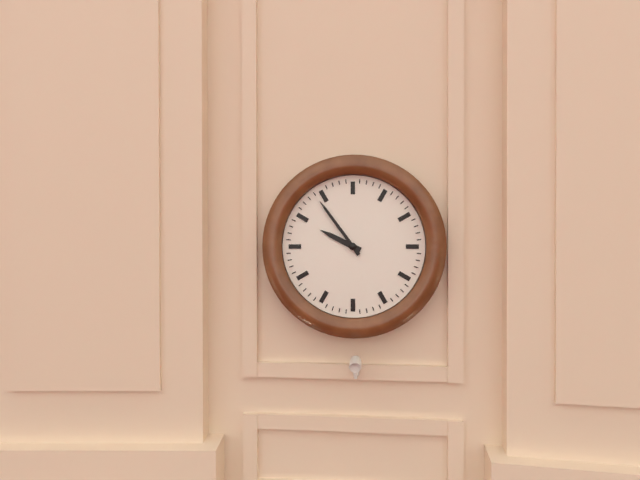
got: 9h54
